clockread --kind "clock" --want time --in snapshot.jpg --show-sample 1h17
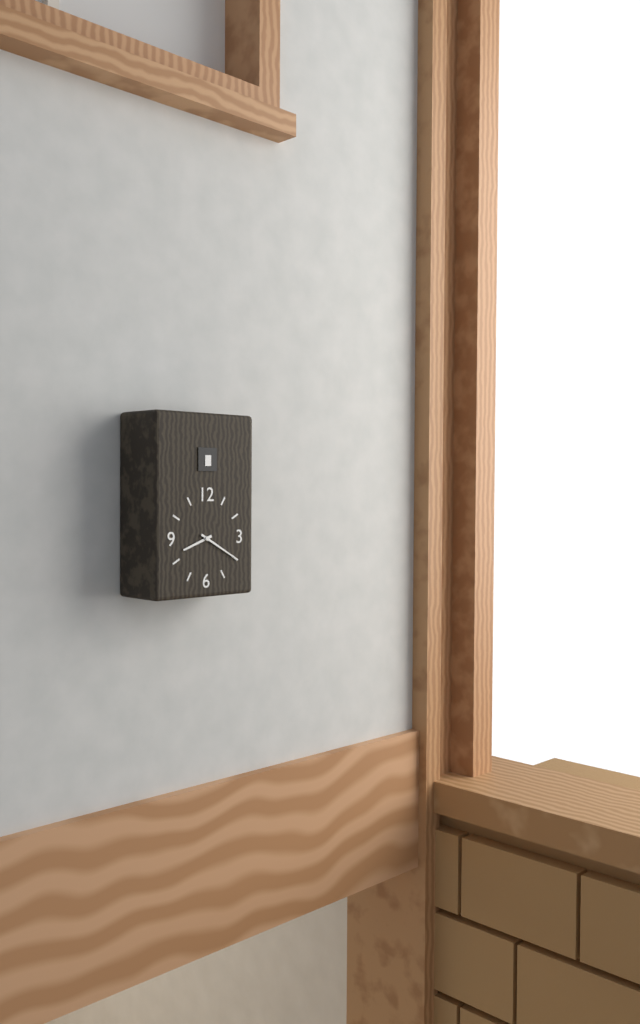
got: 8h20
